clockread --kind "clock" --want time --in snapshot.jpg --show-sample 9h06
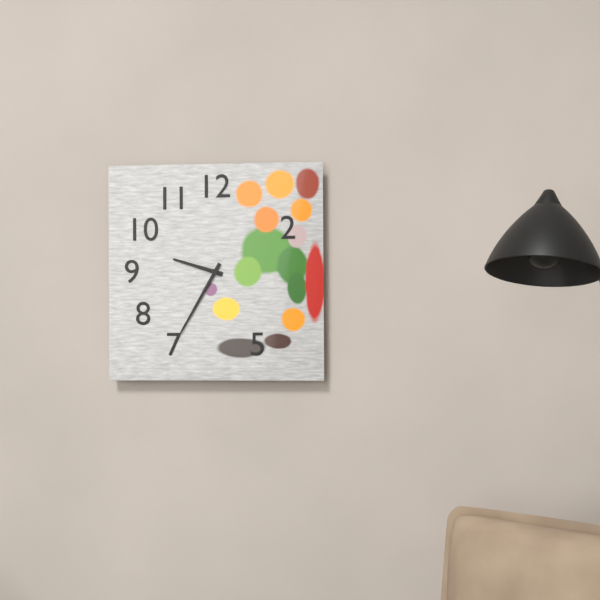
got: 9h35
